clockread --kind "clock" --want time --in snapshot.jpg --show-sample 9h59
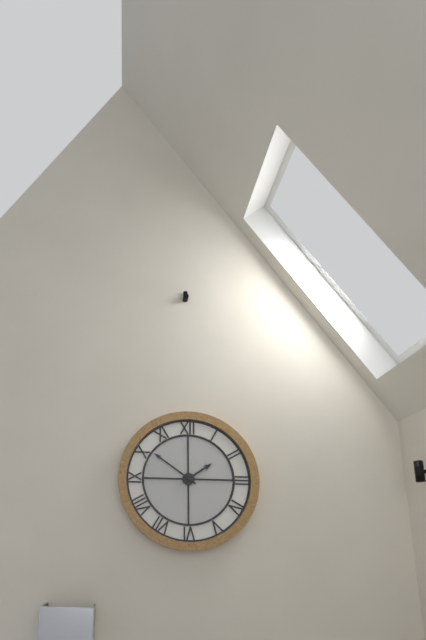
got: 1h51
